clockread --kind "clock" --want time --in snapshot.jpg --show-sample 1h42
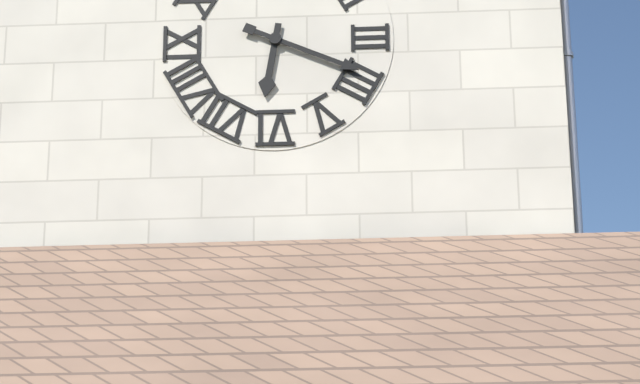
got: 6h19
